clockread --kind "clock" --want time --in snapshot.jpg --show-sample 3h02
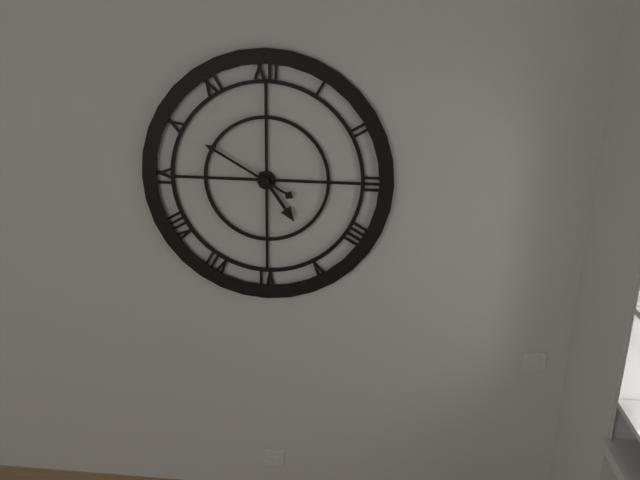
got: 4h50
